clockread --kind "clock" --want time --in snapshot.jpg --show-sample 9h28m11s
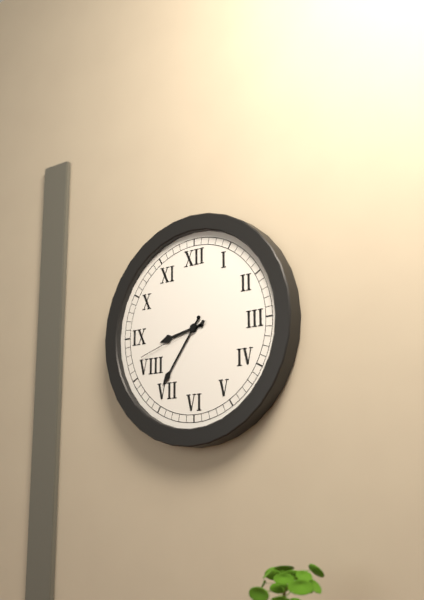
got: 8h36m42s
